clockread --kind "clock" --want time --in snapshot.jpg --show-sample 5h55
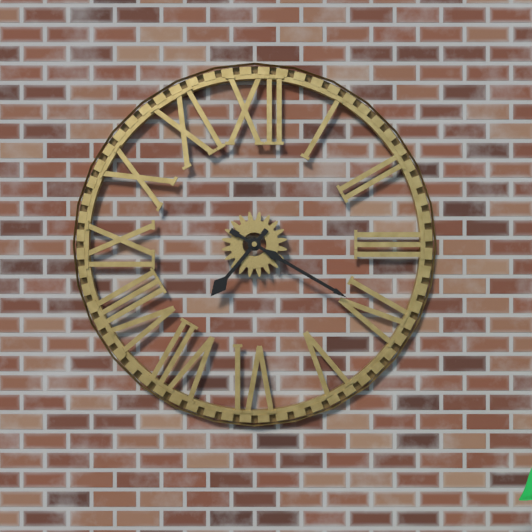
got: 7h20
